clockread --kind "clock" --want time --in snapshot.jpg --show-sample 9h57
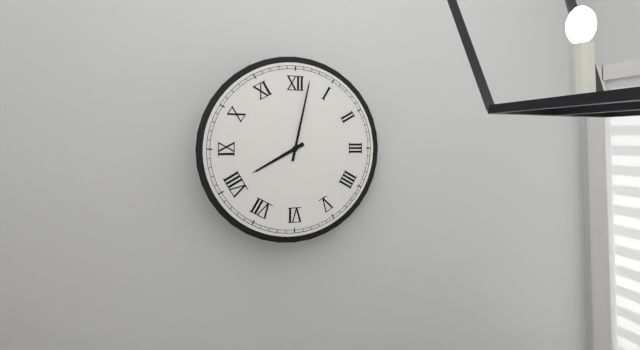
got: 8h02
